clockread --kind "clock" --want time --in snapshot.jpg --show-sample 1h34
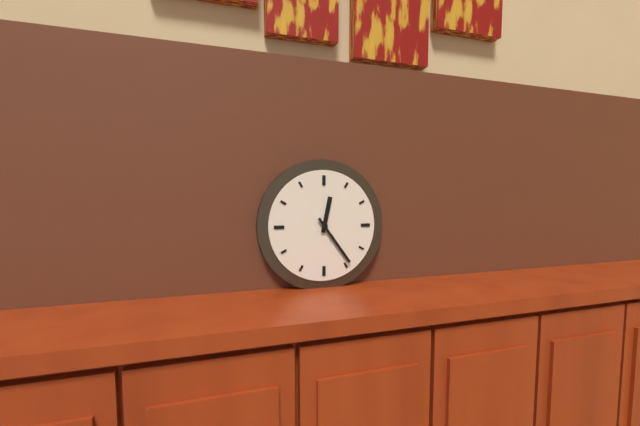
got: 12h24
